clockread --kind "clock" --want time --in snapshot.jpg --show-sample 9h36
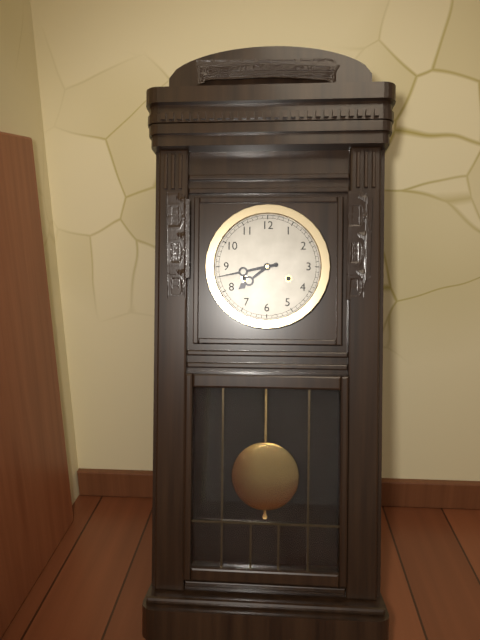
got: 7h43
